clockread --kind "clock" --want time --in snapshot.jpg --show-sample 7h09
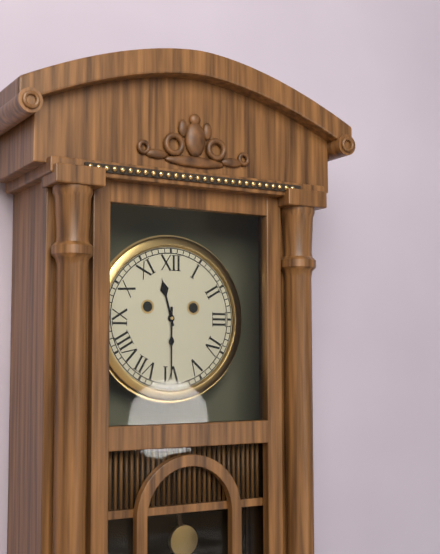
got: 11h30
